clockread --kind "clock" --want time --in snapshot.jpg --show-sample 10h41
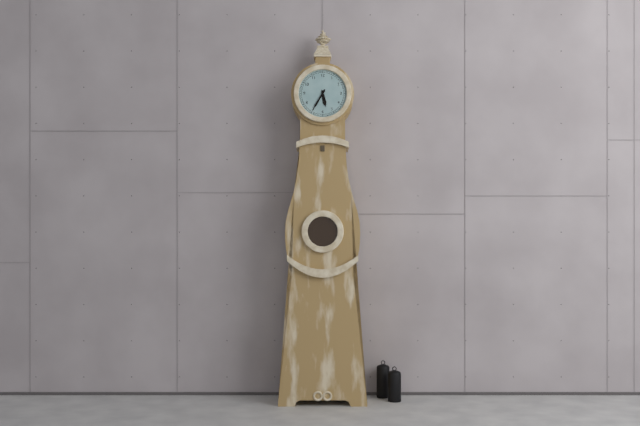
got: 5h35
